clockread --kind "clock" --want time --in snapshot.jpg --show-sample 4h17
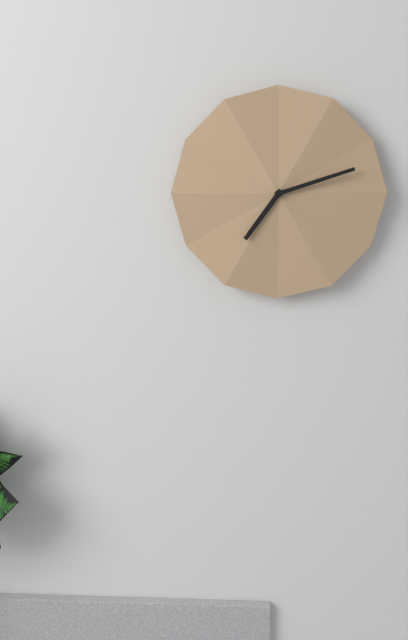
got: 7h12
